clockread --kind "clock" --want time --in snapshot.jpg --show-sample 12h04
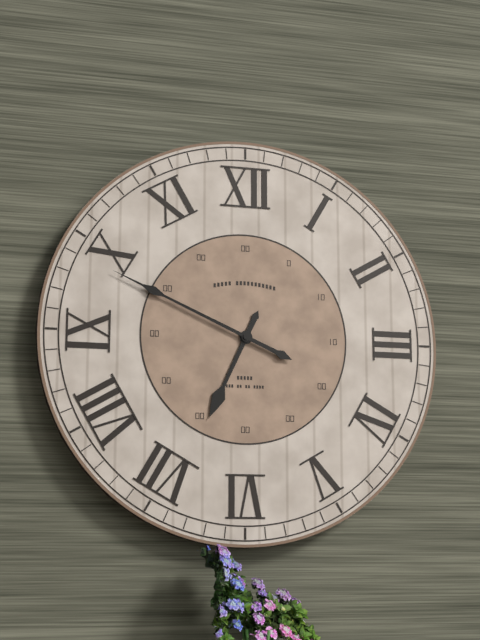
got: 6h49
